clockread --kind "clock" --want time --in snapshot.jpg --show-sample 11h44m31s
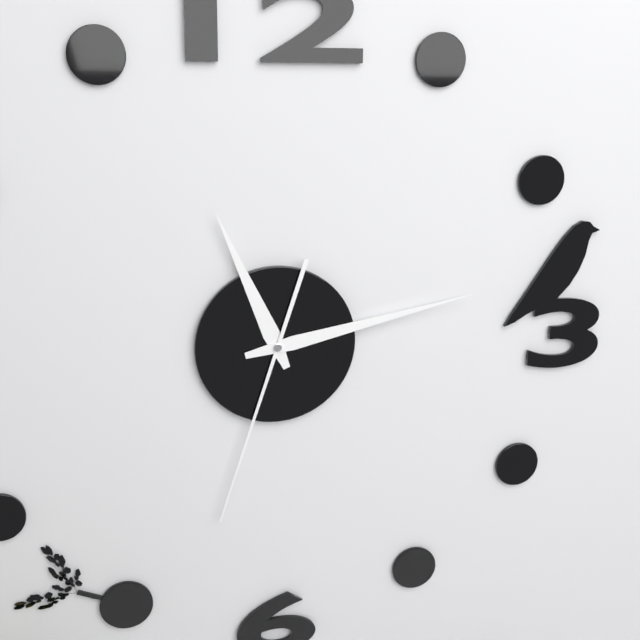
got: 11h13m33s
